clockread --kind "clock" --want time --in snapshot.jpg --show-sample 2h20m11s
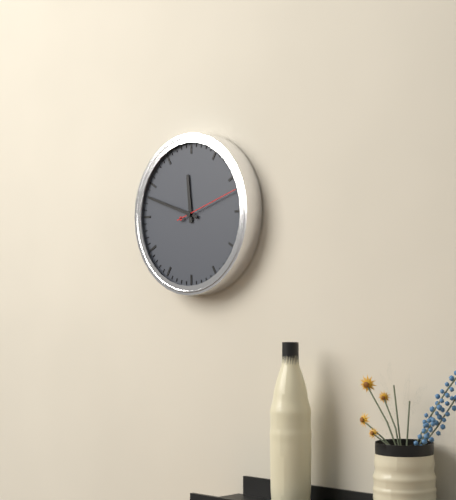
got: 11h48m12s
